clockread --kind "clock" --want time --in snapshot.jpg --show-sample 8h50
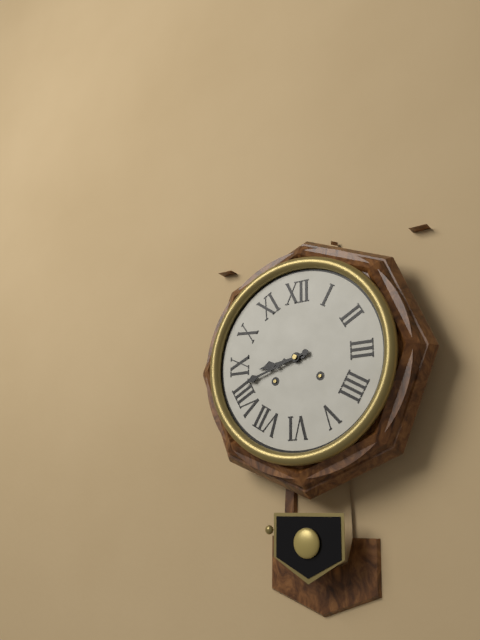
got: 8h42
